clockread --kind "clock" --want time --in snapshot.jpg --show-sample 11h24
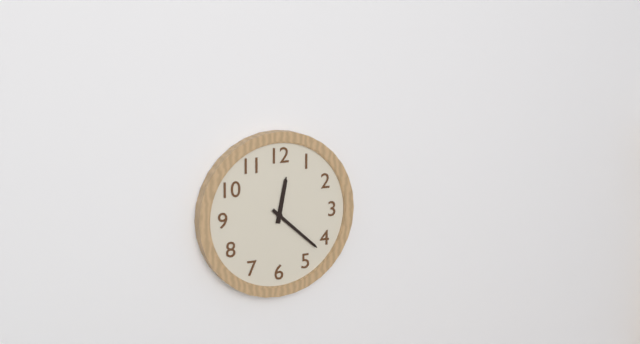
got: 12h22
